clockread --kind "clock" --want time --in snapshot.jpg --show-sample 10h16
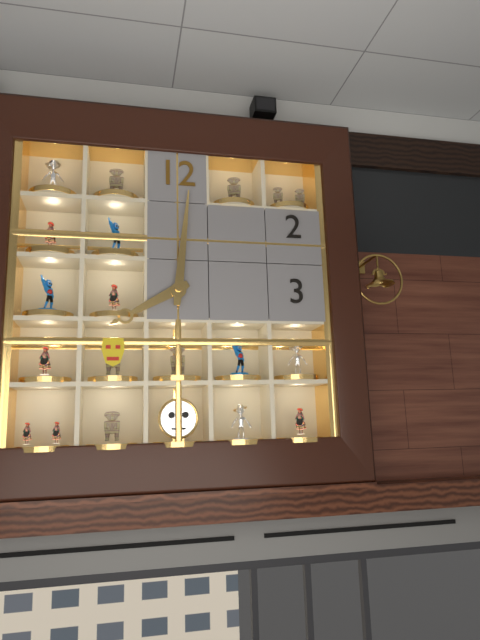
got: 8h01
